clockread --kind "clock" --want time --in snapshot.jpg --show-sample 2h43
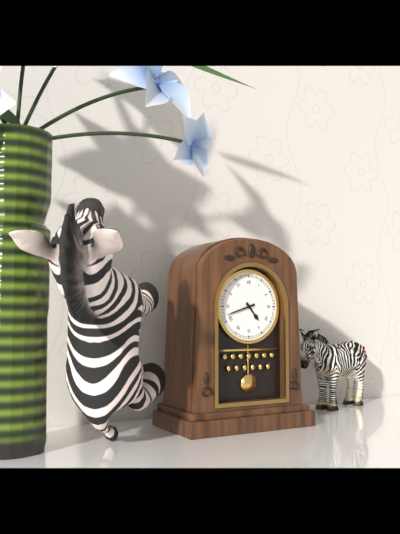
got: 4h42
